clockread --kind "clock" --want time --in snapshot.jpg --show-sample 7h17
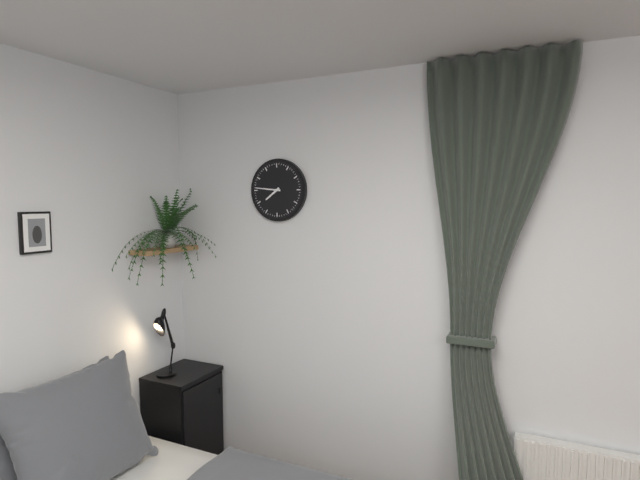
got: 7h46
